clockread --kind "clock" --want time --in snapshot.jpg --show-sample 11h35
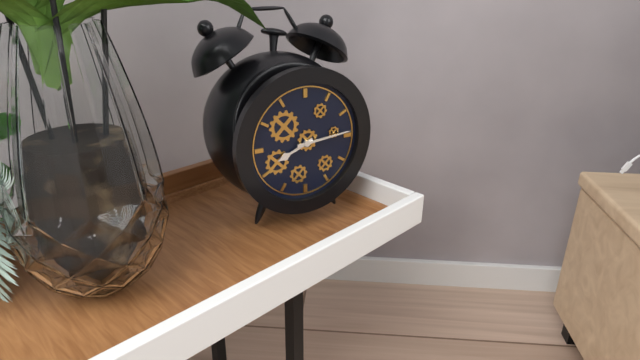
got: 8h14
